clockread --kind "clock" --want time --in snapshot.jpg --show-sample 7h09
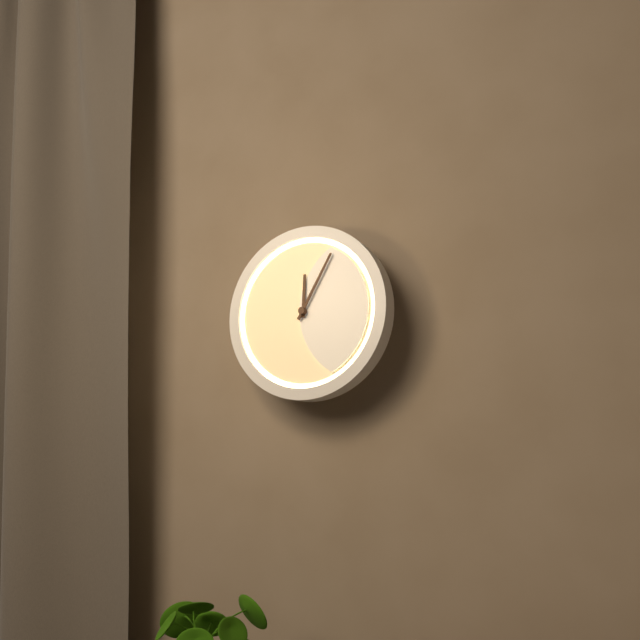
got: 12h05
